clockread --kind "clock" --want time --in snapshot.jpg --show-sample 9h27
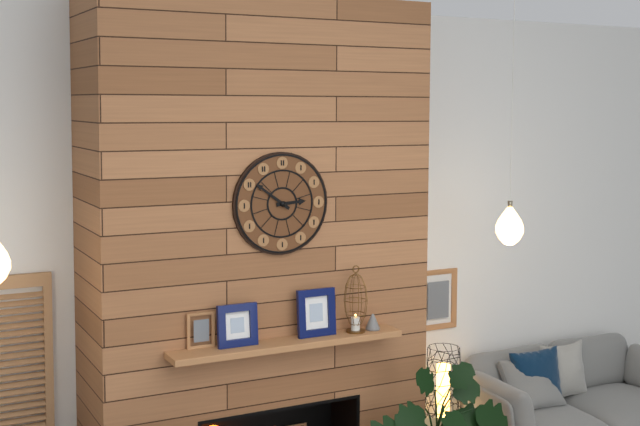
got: 2h51
